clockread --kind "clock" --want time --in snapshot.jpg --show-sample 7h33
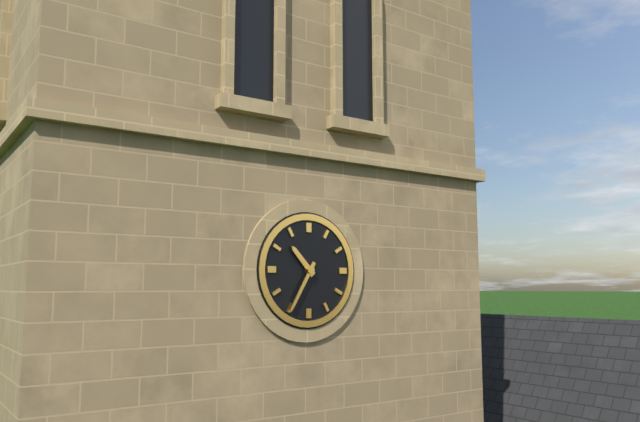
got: 10h35
